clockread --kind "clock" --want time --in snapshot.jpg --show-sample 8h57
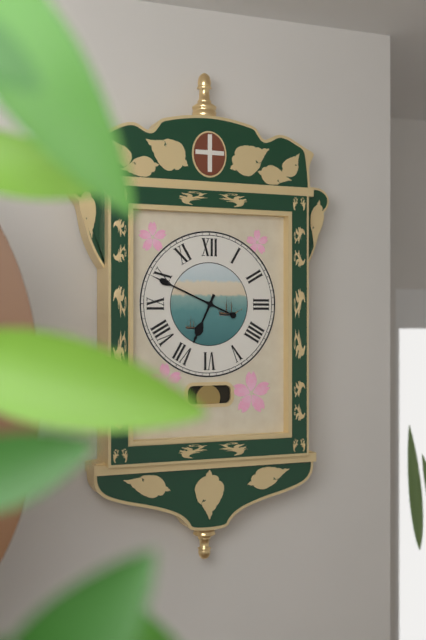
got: 6h49
